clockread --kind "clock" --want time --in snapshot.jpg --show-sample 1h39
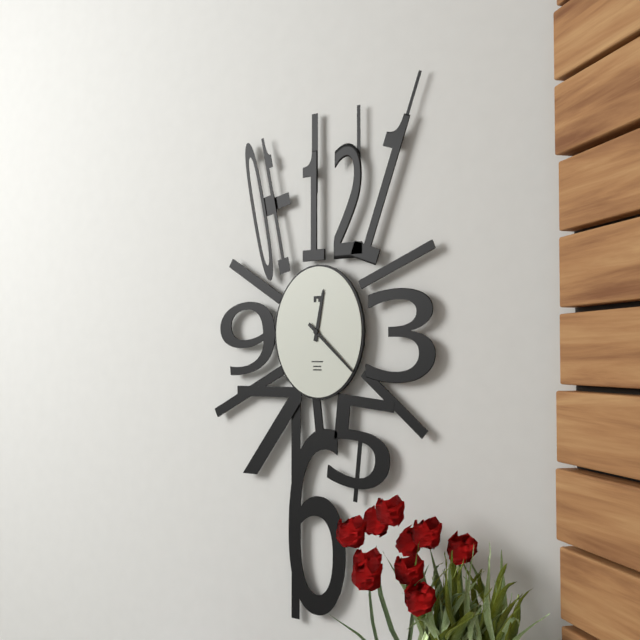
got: 12h22
